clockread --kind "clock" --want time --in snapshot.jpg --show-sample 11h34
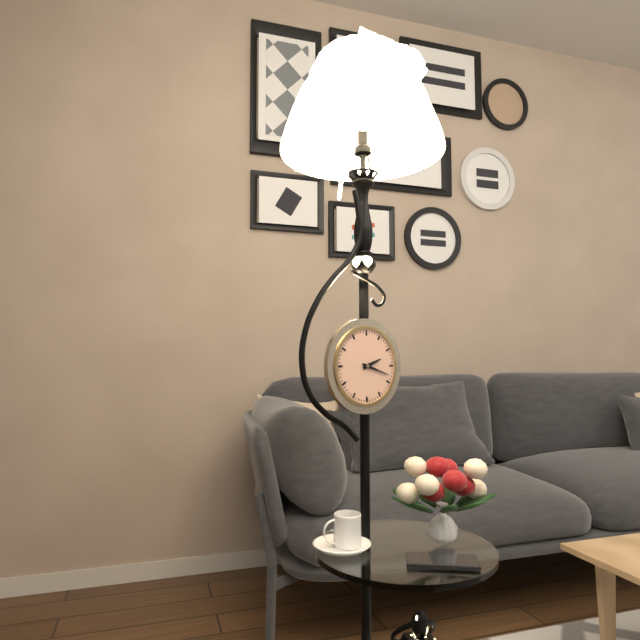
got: 2h18
